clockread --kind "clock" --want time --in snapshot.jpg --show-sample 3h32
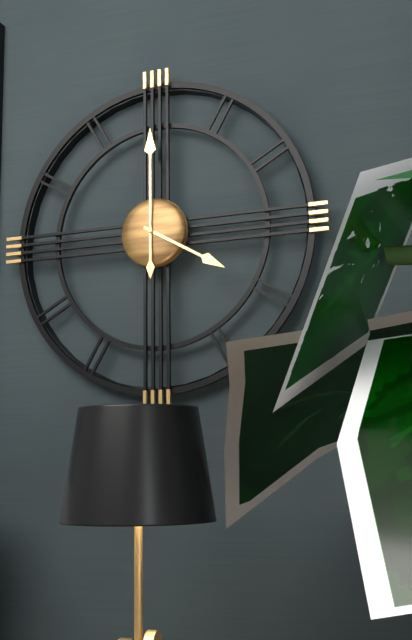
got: 4h00
